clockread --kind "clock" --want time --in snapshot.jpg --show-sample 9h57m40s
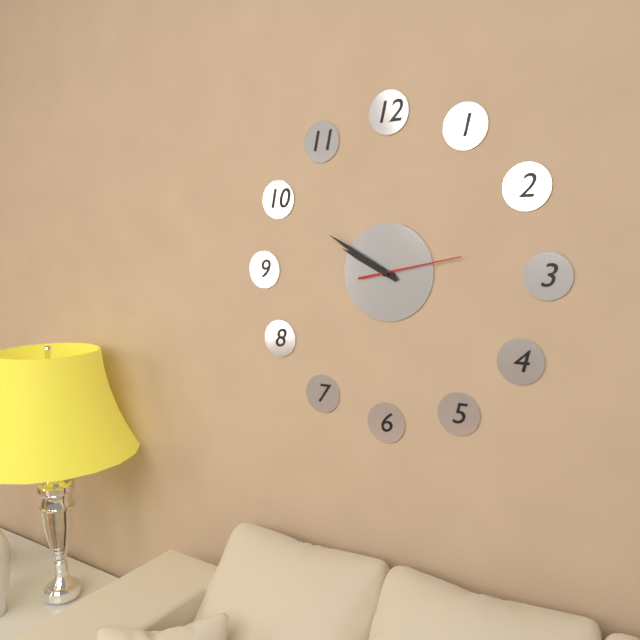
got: 9h50m13s
